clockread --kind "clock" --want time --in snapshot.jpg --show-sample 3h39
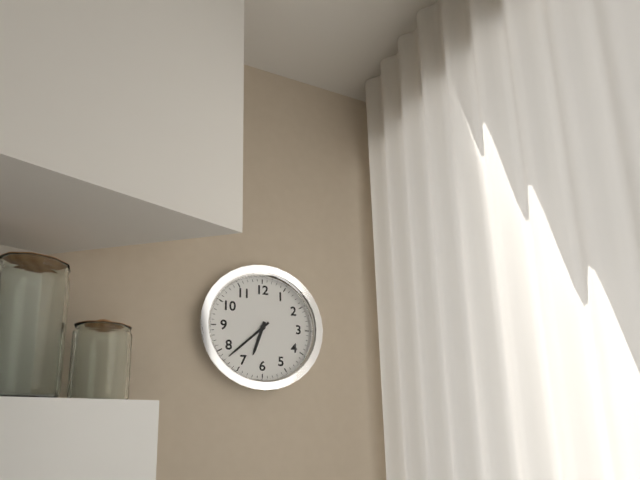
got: 6h38
